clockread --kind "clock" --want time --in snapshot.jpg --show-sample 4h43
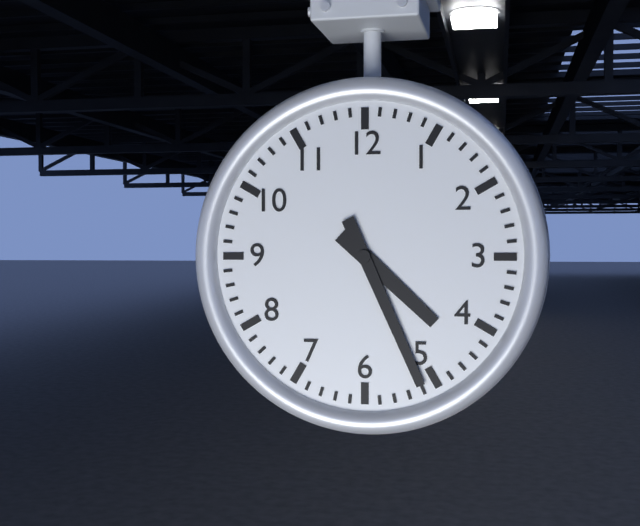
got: 4h26
